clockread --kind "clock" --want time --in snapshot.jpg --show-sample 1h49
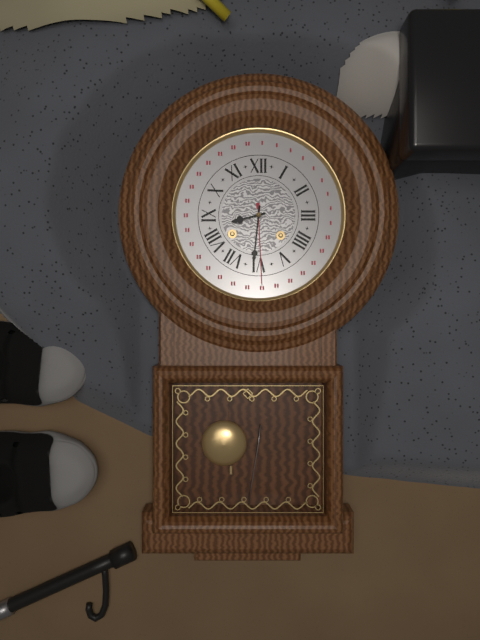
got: 8h31
